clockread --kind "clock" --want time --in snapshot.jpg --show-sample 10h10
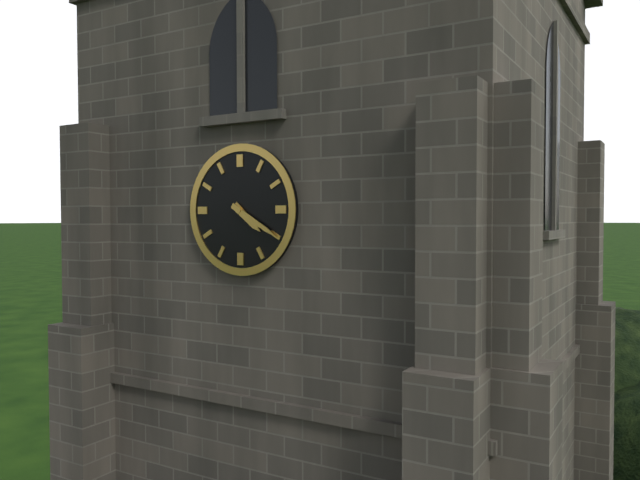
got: 4h20
